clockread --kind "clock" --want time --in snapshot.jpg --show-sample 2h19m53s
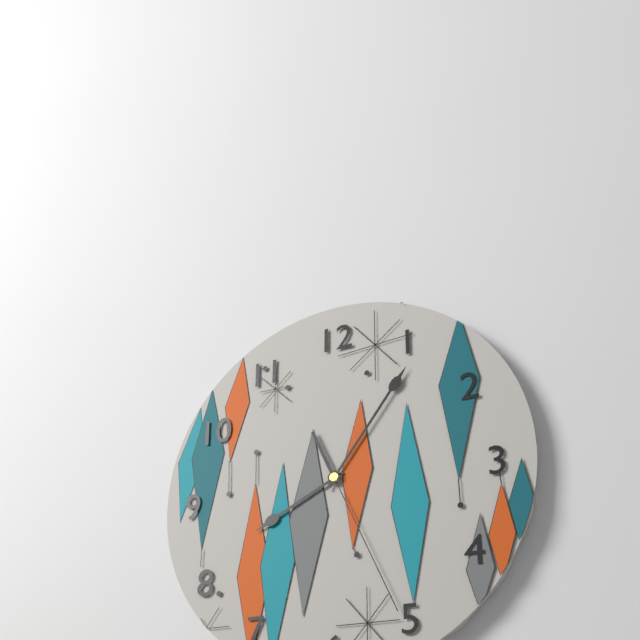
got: 8h06m26s
